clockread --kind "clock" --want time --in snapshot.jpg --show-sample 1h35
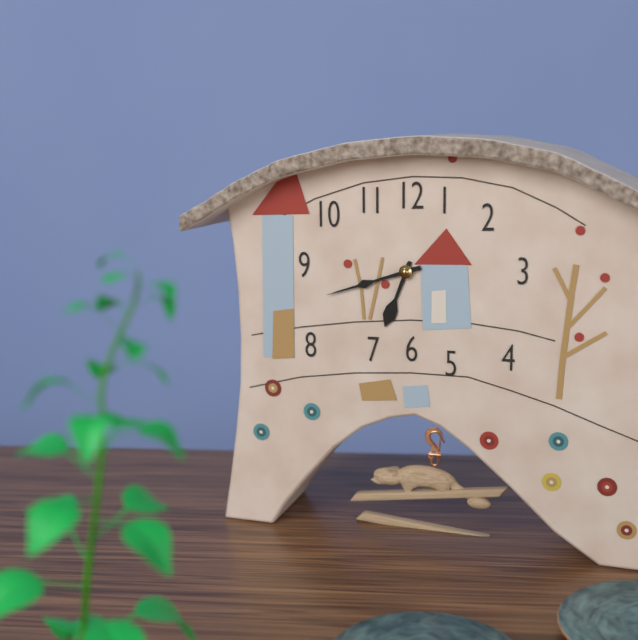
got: 6h42
